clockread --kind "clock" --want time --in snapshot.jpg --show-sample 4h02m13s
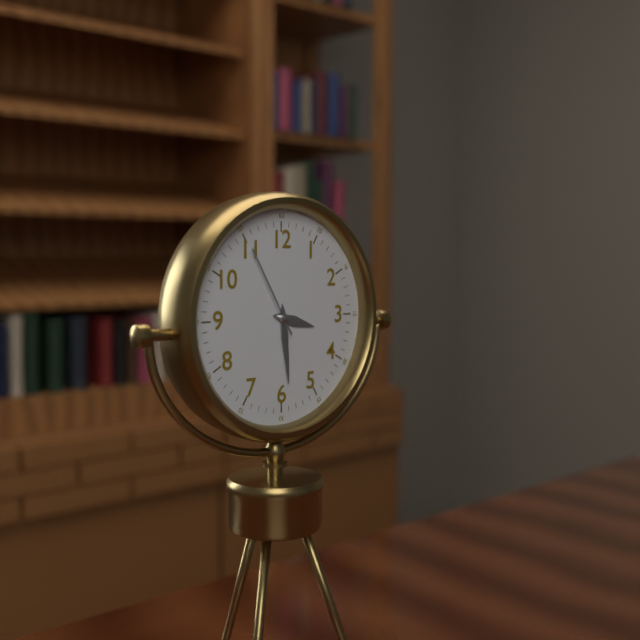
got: 3h29m55s
